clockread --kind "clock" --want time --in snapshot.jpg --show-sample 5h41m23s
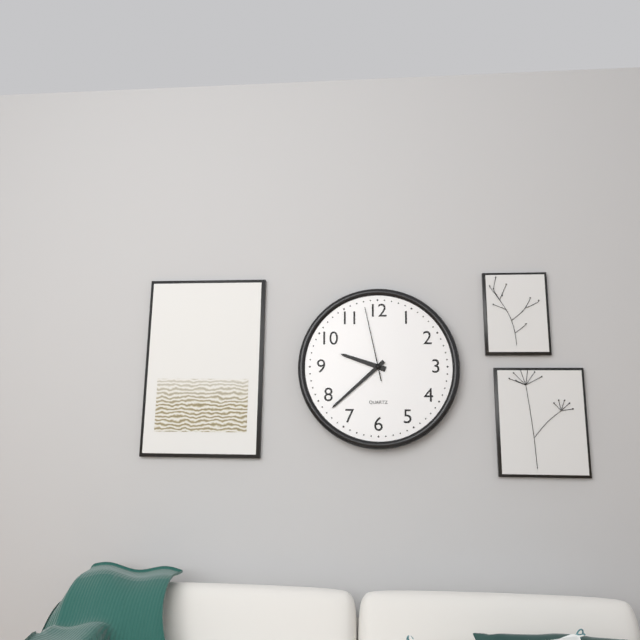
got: 9h38m58s
